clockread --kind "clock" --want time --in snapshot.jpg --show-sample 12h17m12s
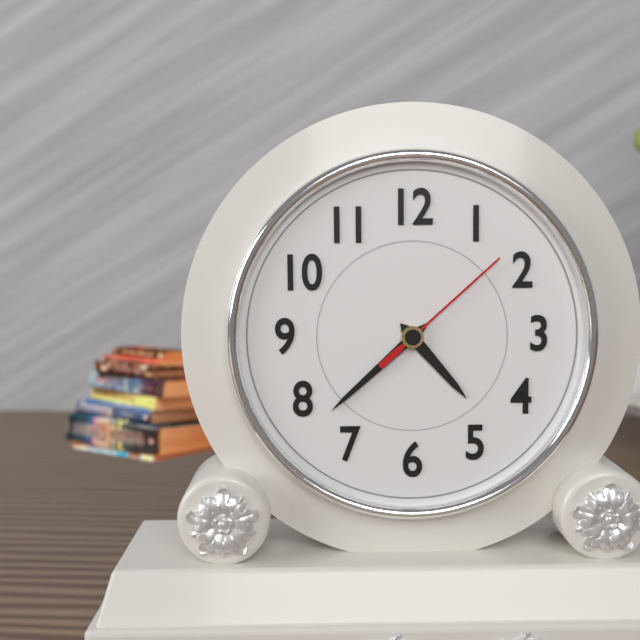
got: 4h38m08s
